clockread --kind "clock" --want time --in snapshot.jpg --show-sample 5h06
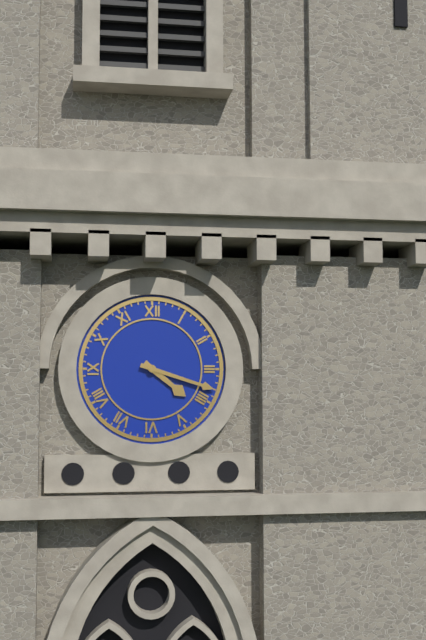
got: 4h18
